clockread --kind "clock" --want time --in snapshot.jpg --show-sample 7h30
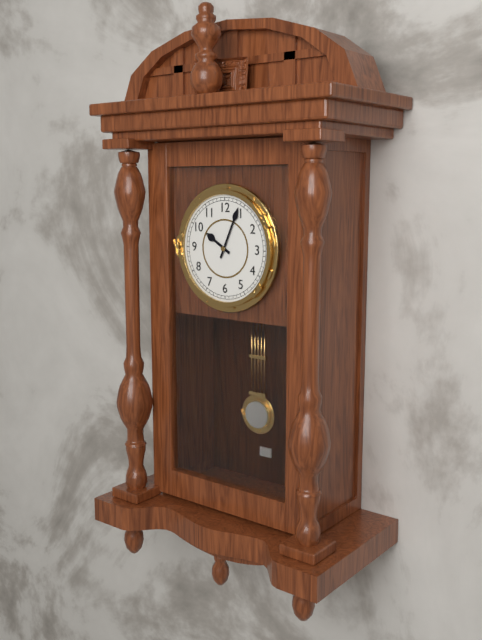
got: 10h04
